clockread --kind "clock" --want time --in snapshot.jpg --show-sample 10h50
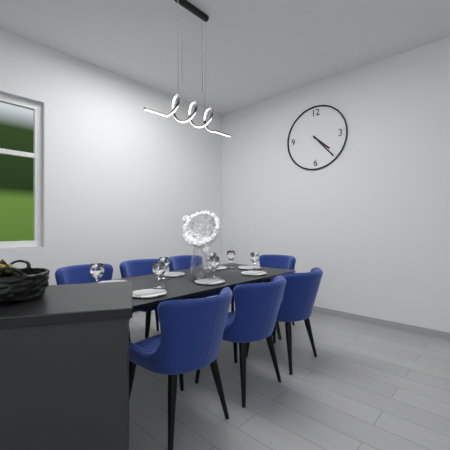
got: 4h23
